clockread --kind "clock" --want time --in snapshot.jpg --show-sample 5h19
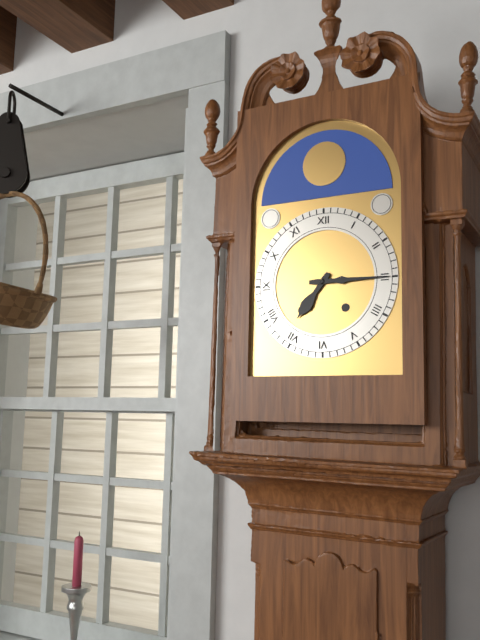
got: 7h15
